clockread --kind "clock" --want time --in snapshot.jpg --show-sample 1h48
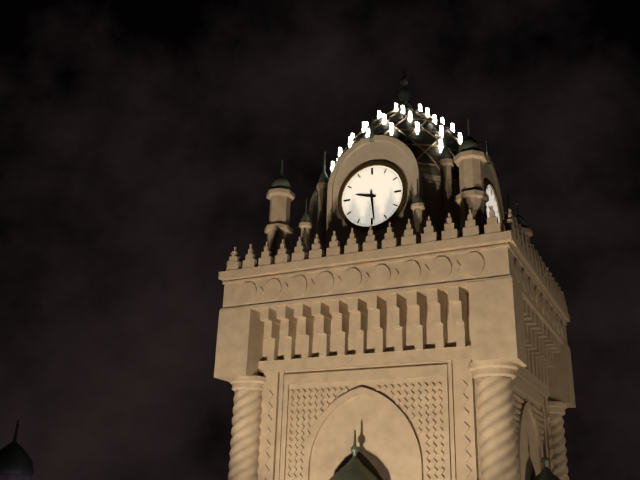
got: 9h29
